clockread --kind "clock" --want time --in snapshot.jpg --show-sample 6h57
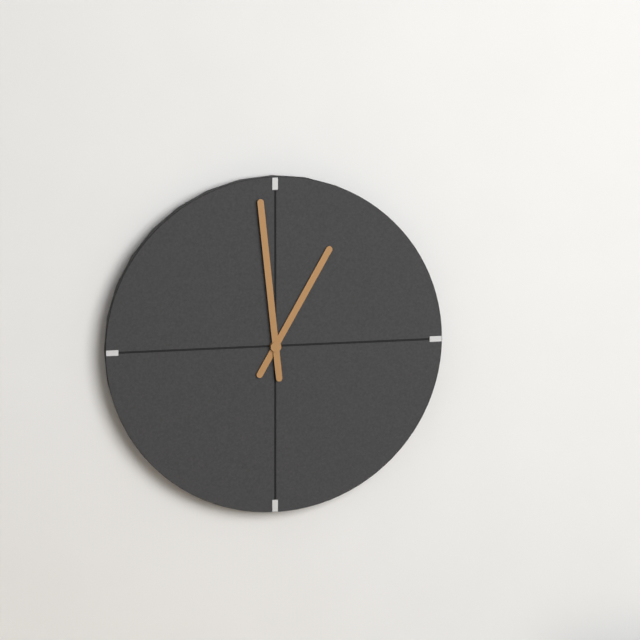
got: 12h59
